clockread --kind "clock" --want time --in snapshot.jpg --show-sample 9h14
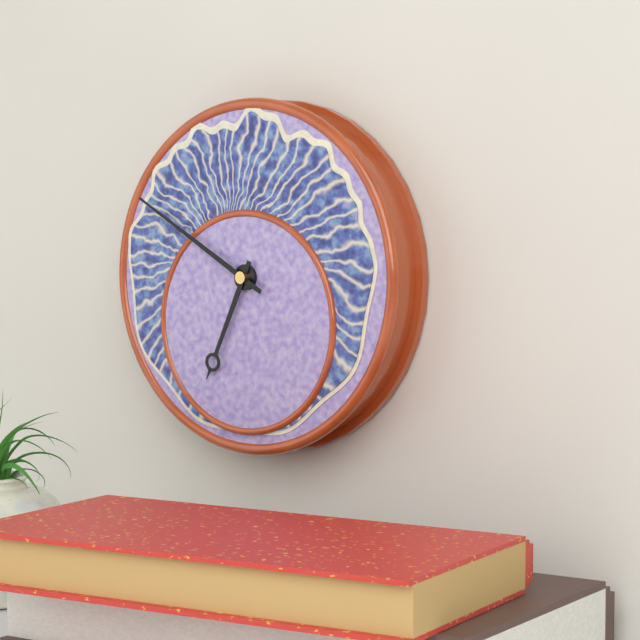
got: 6h50
